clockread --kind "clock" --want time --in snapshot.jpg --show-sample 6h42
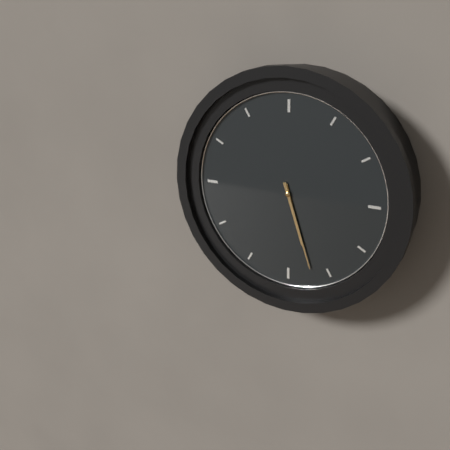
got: 5h27
